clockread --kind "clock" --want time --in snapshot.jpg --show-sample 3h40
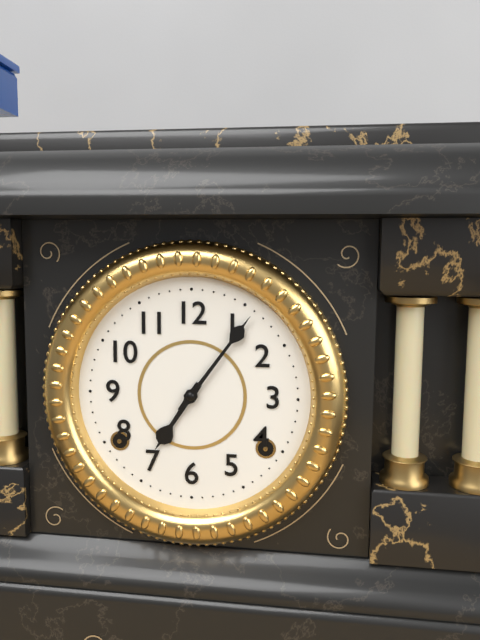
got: 7h06
